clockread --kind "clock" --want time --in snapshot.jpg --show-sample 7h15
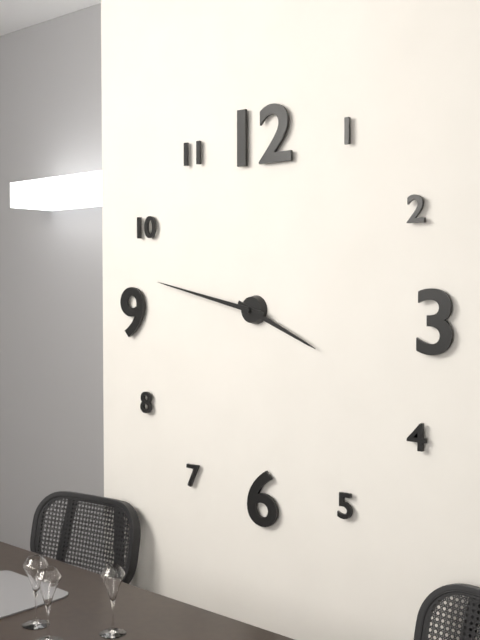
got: 3h47
